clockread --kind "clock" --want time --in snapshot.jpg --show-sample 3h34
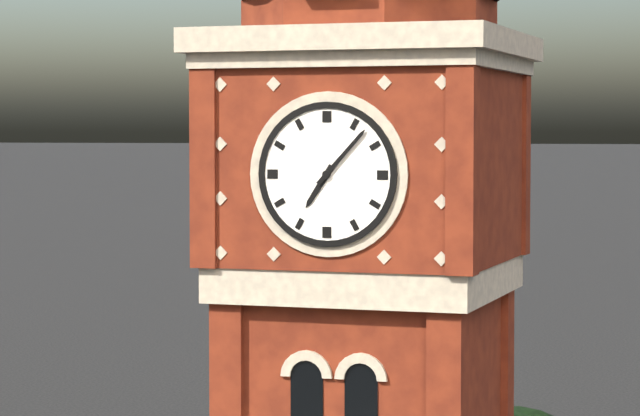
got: 7h07
